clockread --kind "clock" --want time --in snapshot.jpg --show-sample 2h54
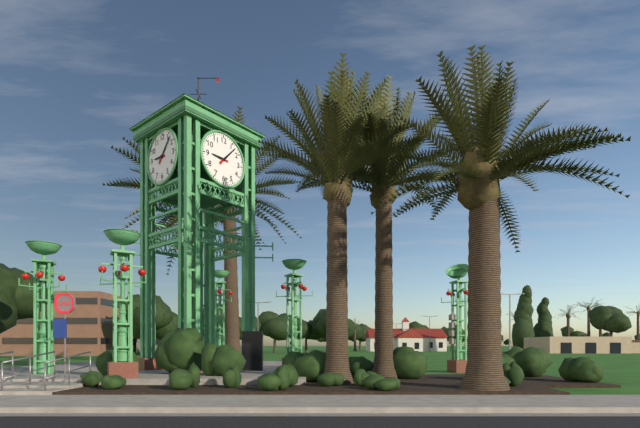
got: 9h07
